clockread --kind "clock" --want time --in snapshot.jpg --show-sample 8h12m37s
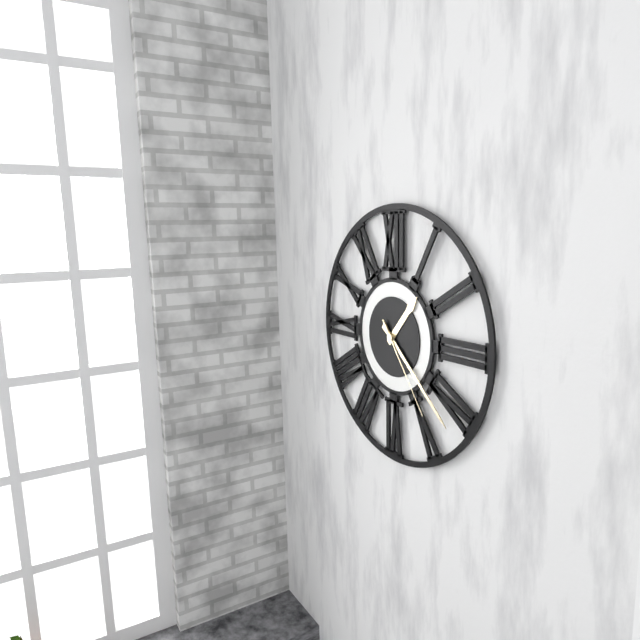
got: 1h22m24s
